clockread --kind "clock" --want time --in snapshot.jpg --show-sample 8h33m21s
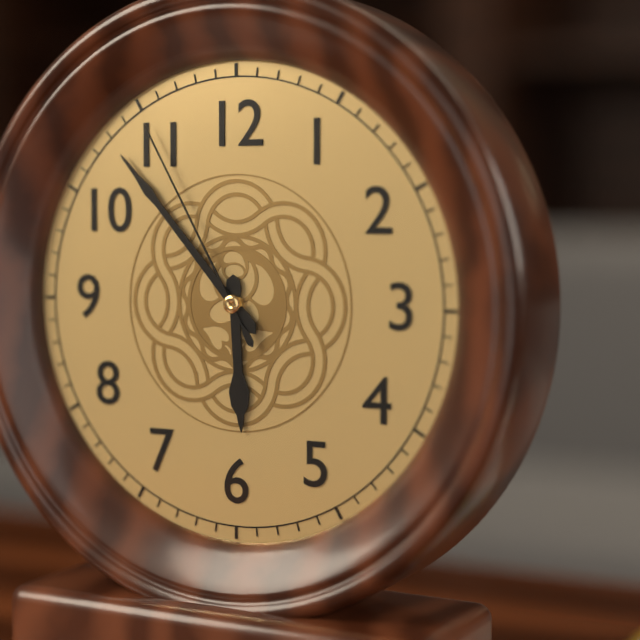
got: 5h53m55s
